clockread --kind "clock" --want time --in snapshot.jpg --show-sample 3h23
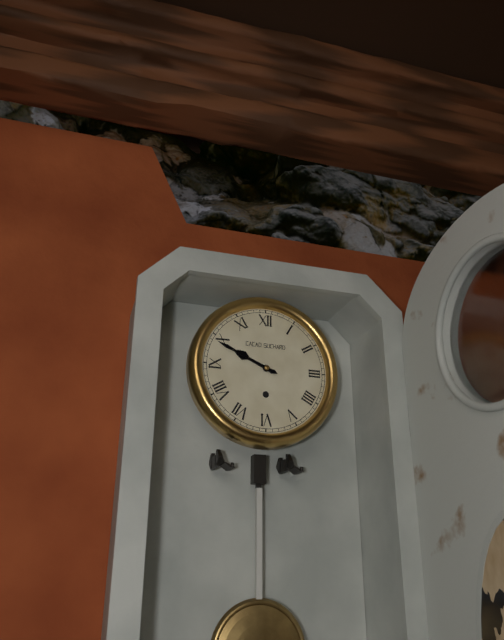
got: 9h49
